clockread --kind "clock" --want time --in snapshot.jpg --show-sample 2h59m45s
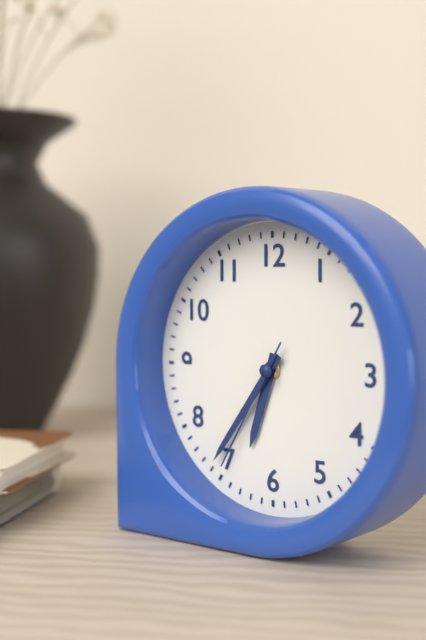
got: 6h36m35s
